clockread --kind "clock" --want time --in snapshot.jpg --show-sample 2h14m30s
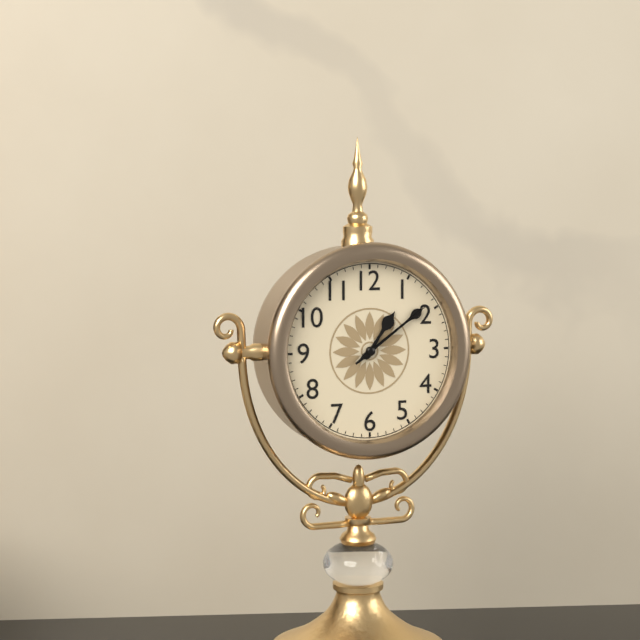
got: 1h09m09s
